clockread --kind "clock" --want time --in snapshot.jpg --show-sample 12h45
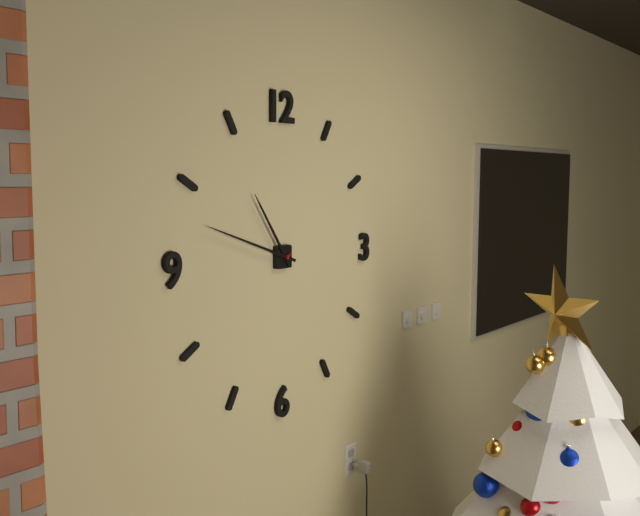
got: 10h48
